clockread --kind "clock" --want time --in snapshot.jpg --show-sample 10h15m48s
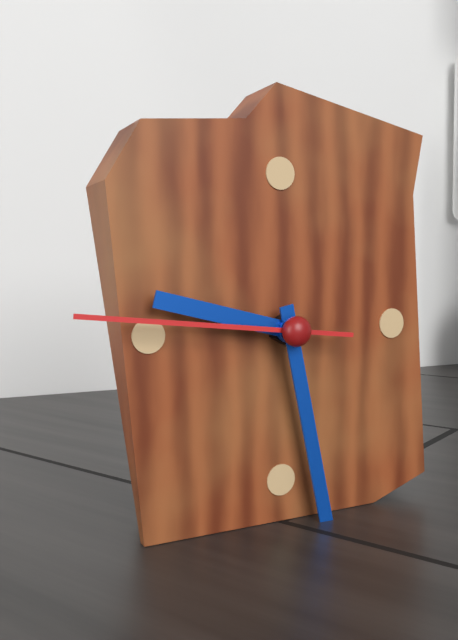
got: 9h28m46s
